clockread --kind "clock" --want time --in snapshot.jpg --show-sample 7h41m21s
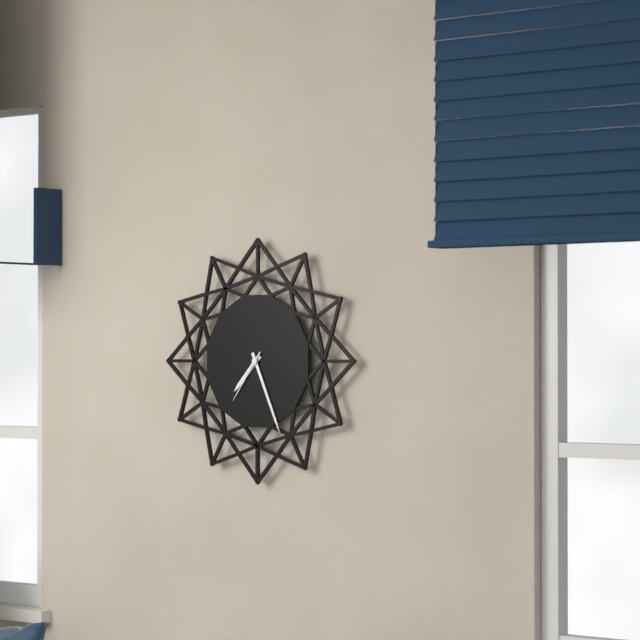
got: 7h26m36s
